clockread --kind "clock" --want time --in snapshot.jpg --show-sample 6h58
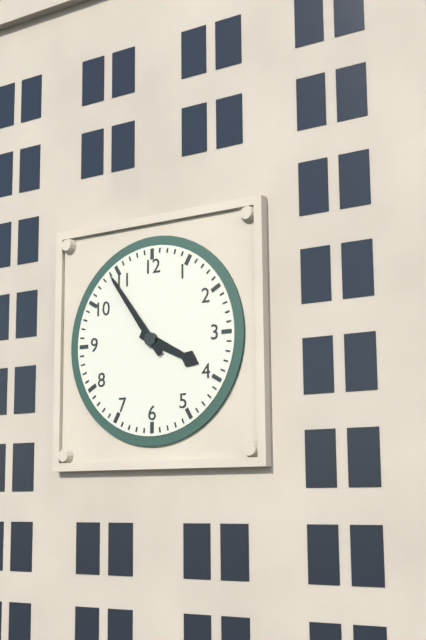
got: 3h54
